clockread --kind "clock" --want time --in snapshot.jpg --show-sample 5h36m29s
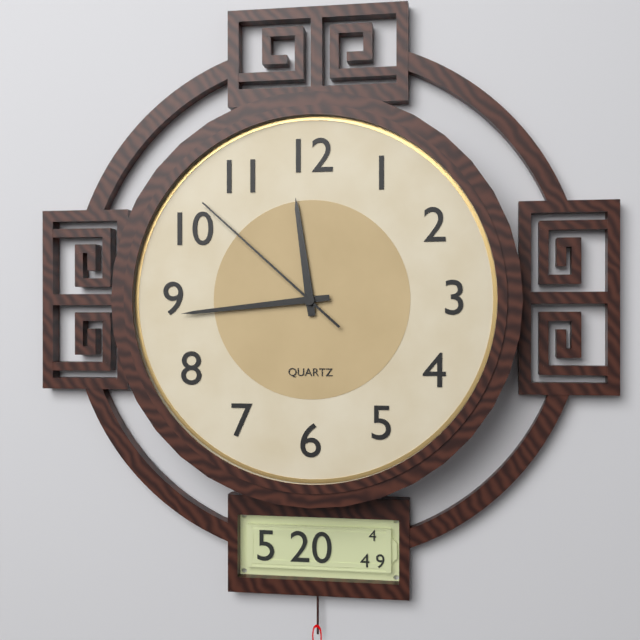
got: 11h44m52s
